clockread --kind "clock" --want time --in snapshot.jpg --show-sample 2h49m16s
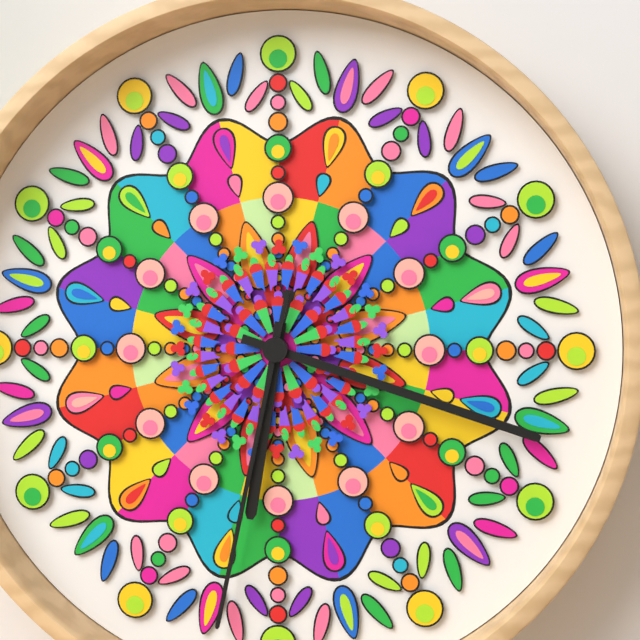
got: 6h18m32s
